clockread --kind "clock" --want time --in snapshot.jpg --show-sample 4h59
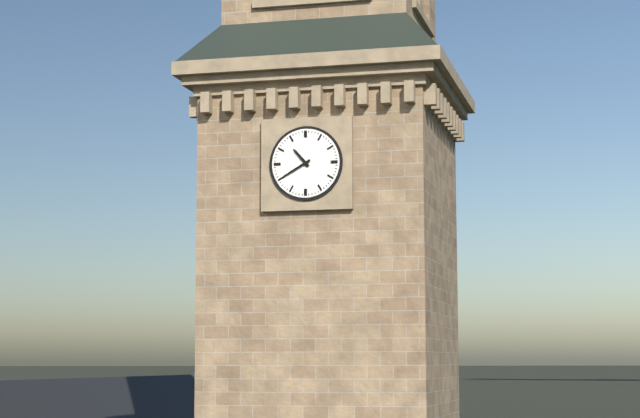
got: 10h40
